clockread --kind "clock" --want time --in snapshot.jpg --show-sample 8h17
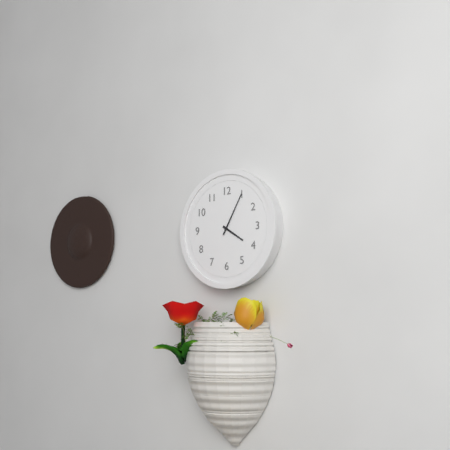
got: 4h05
